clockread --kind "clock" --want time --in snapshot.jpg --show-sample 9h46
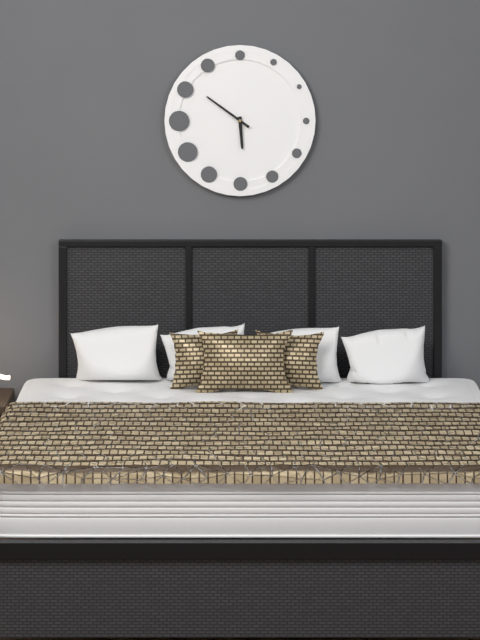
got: 5h51
